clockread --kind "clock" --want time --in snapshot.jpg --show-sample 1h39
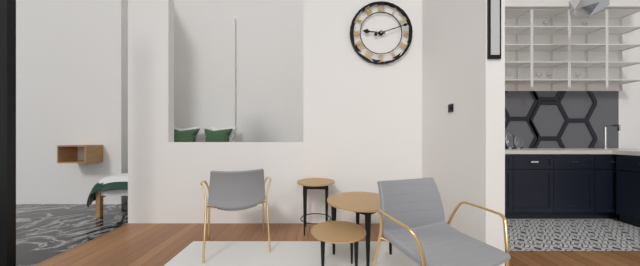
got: 9h12
